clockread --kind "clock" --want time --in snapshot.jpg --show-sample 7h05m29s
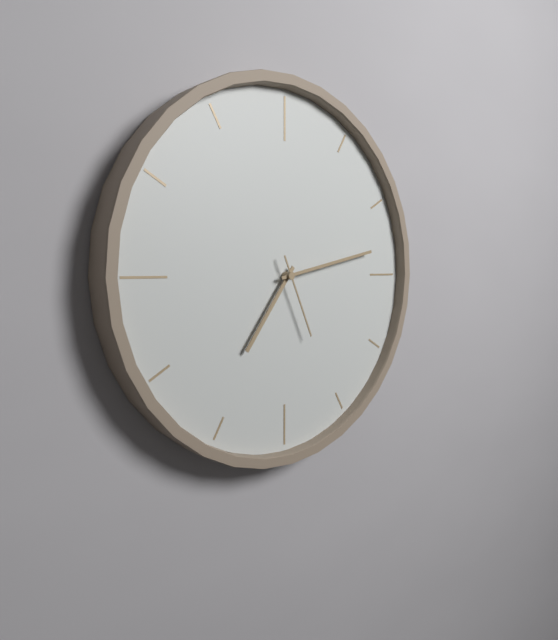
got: 7h13m26s
